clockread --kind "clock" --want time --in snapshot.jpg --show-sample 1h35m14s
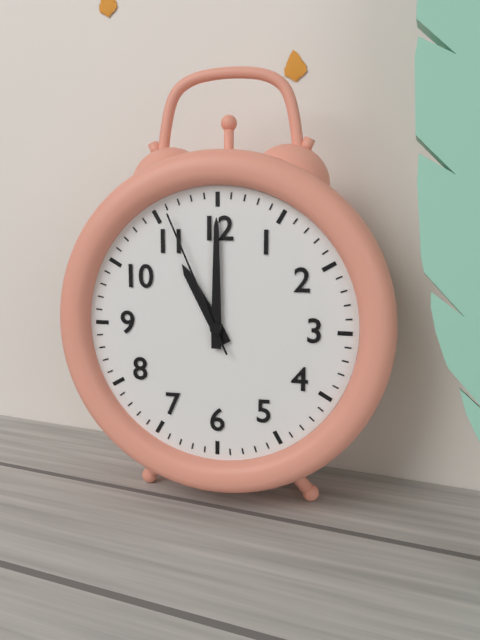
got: 11h00m56s
